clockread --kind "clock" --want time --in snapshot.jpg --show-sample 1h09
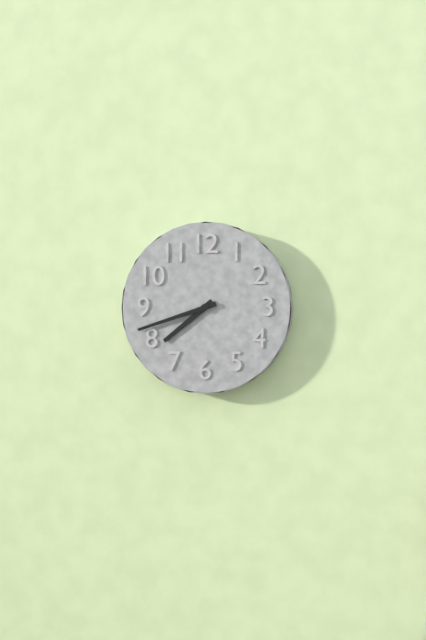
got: 7h42
